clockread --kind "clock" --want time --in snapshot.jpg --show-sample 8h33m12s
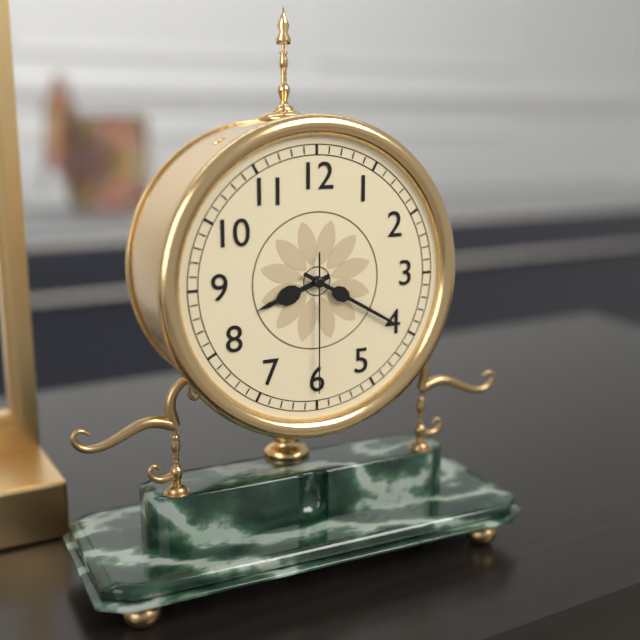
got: 8h20m30s
